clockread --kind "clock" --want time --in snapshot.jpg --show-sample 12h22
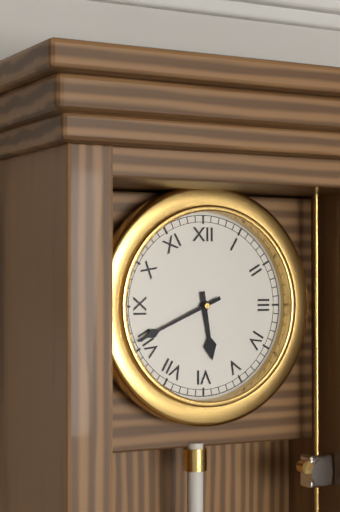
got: 5h41
